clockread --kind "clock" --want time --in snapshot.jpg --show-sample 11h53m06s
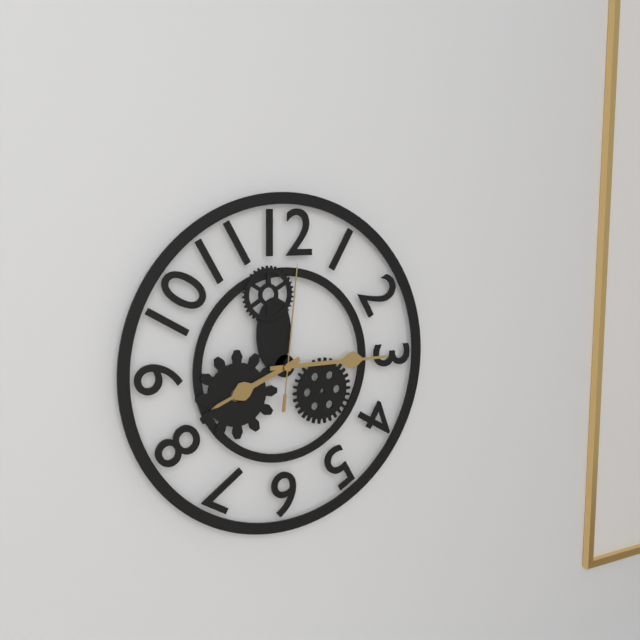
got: 8h15m01s
